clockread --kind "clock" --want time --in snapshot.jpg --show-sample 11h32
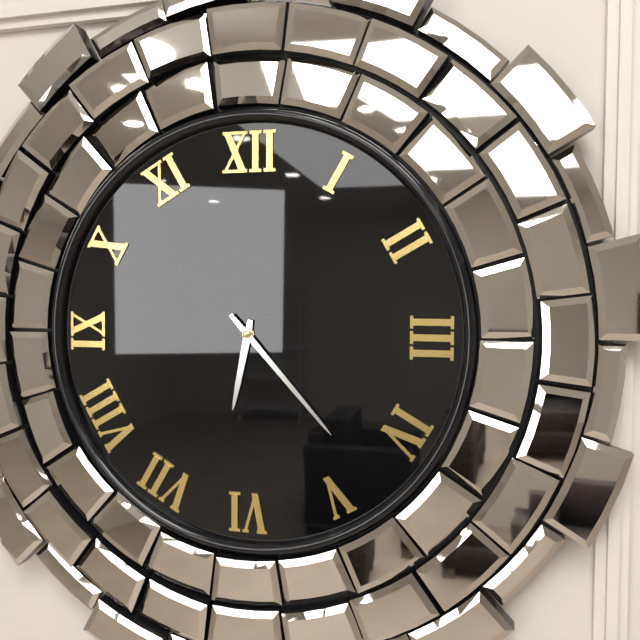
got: 6h23
